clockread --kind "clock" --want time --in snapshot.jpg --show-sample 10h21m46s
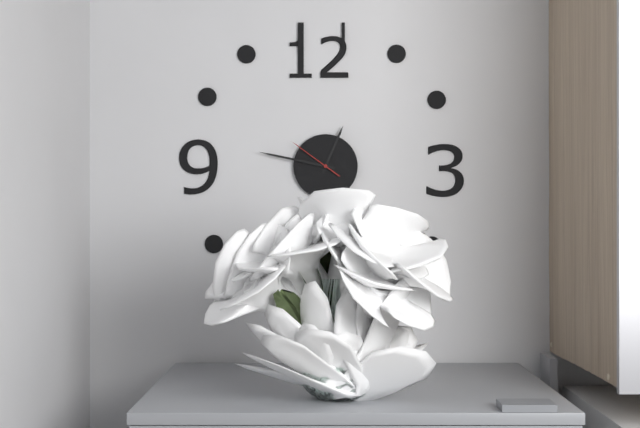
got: 12h47m51s
